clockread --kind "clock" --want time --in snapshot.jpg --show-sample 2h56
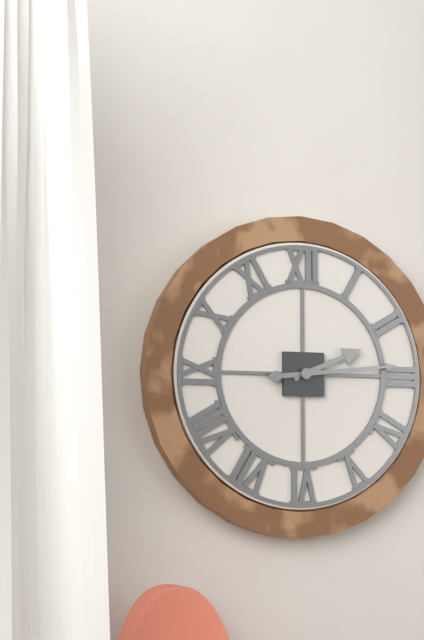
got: 2h14
